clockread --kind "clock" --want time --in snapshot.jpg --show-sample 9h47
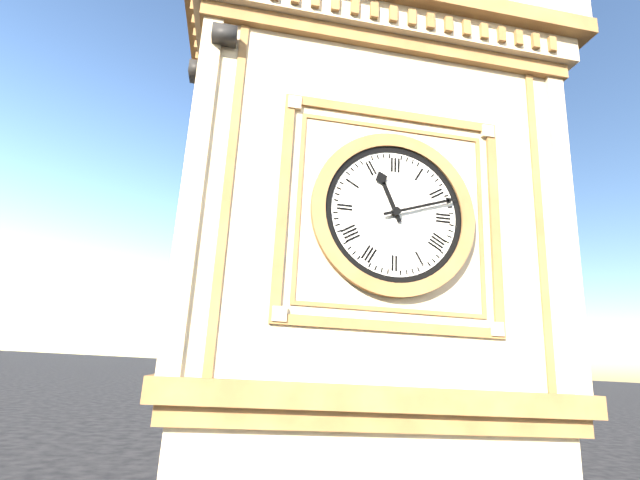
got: 11h12
